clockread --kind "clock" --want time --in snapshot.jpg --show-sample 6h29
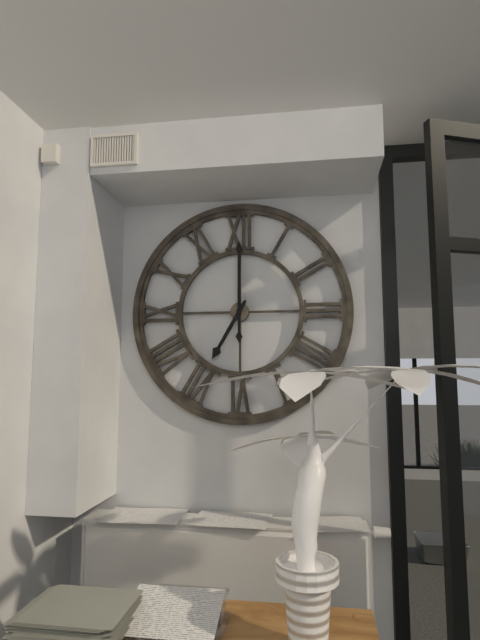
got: 7h00
